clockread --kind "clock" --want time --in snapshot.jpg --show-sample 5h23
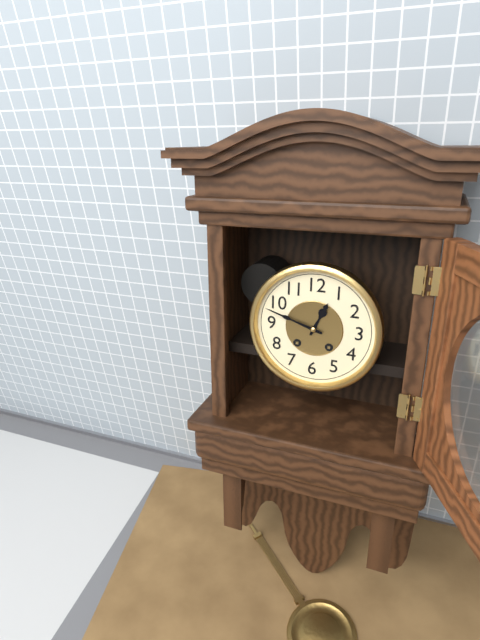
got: 12h48
